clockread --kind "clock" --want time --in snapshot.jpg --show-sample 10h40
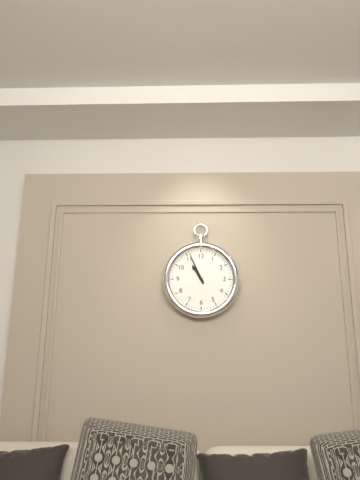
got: 10h56
